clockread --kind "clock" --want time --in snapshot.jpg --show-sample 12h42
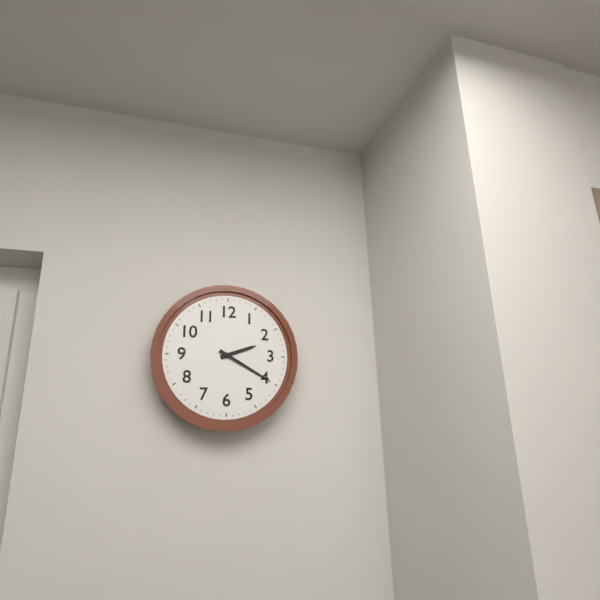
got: 2h20
